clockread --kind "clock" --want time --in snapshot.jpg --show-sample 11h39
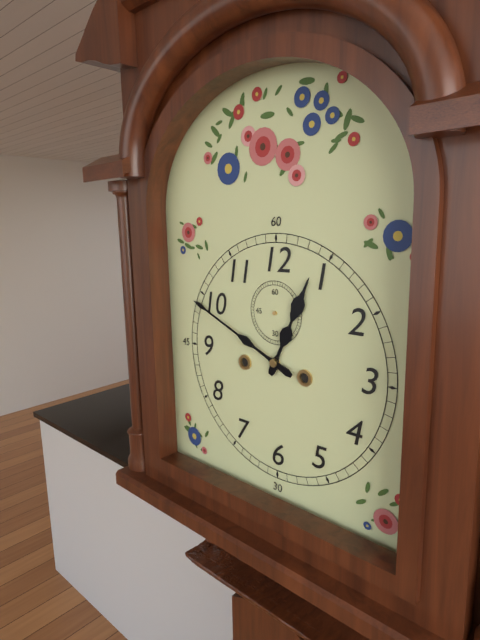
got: 12h49
